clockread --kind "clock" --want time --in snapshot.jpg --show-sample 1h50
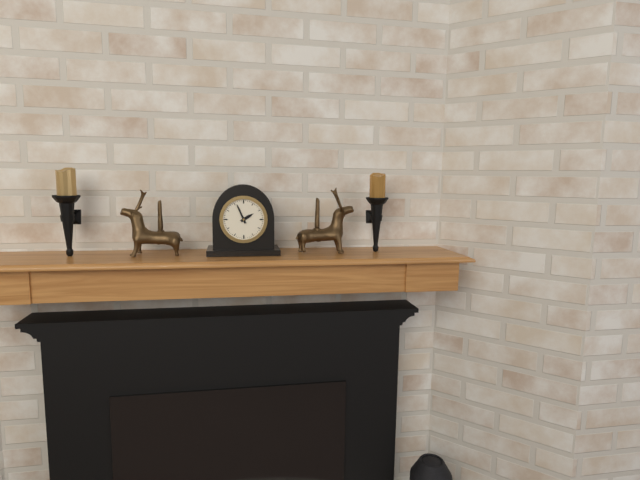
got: 1h56
